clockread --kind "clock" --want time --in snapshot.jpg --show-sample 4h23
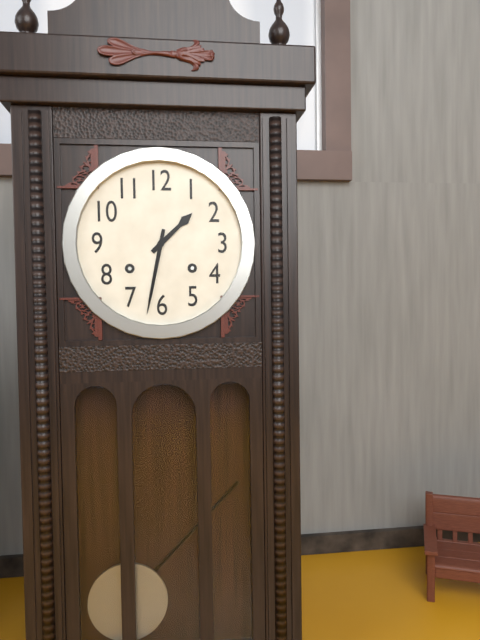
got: 1h32
